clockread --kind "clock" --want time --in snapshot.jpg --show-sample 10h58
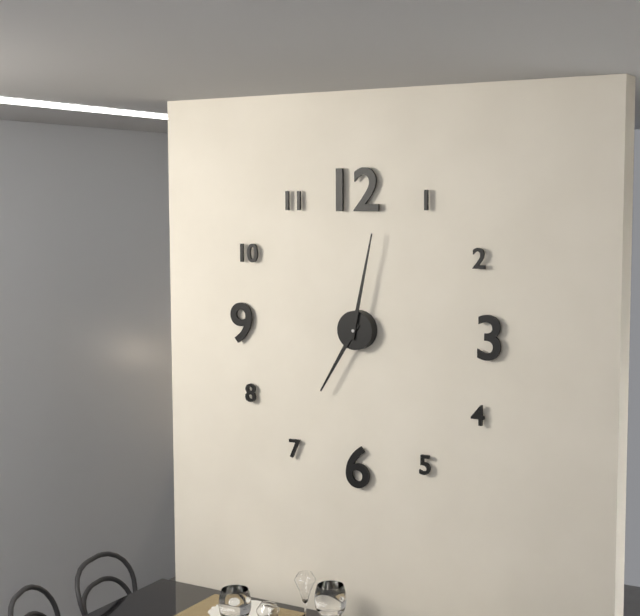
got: 7h02
